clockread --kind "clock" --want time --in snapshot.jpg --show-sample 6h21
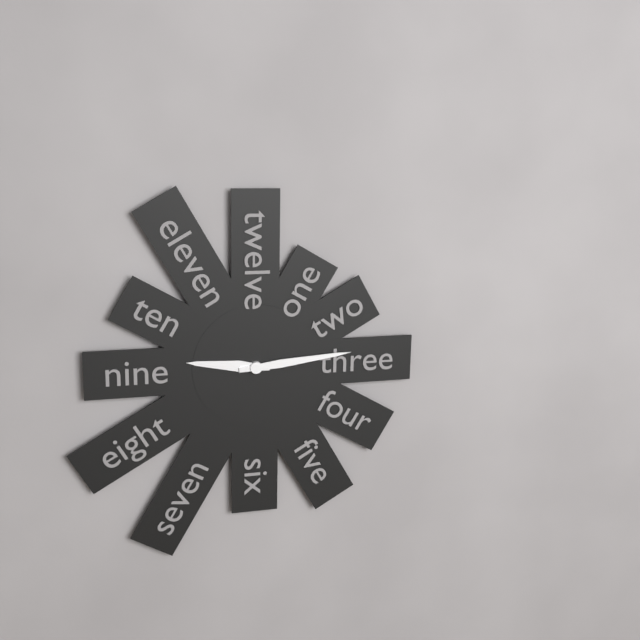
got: 9h14
